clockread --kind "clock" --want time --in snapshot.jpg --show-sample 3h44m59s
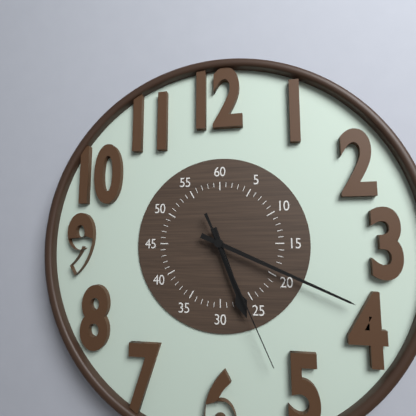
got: 5h19m26s
